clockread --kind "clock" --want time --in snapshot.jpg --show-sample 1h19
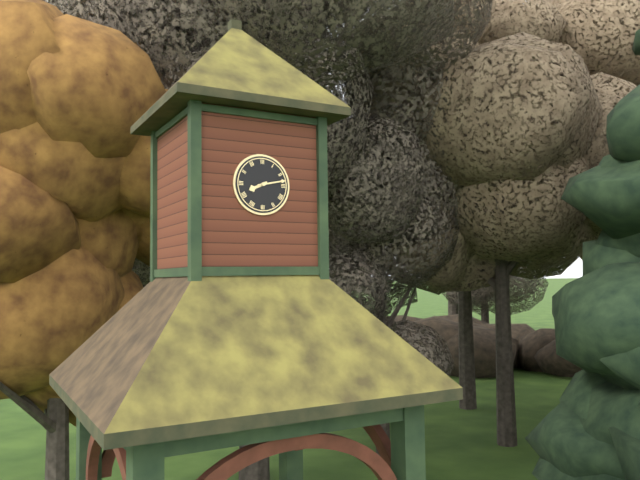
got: 8h13
